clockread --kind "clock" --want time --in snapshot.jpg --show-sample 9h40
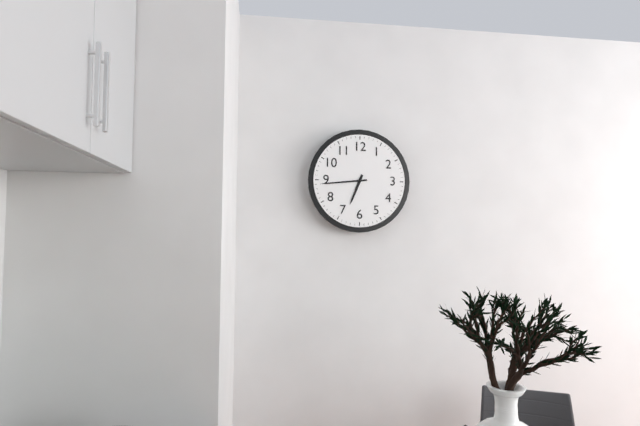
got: 6h44
